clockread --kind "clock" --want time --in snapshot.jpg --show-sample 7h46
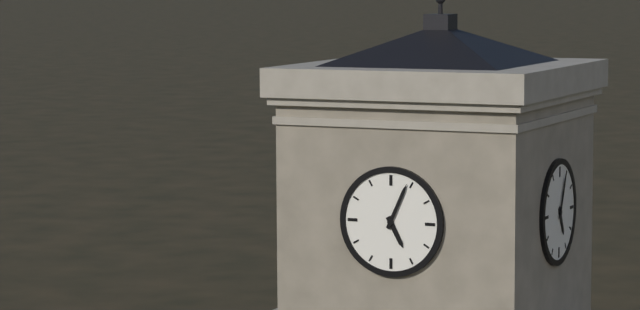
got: 5h04
